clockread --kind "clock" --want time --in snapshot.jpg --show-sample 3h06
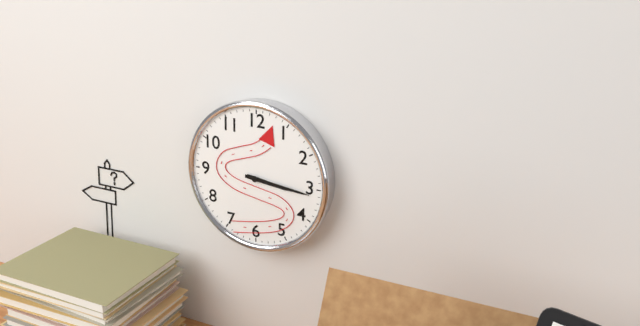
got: 3h16
